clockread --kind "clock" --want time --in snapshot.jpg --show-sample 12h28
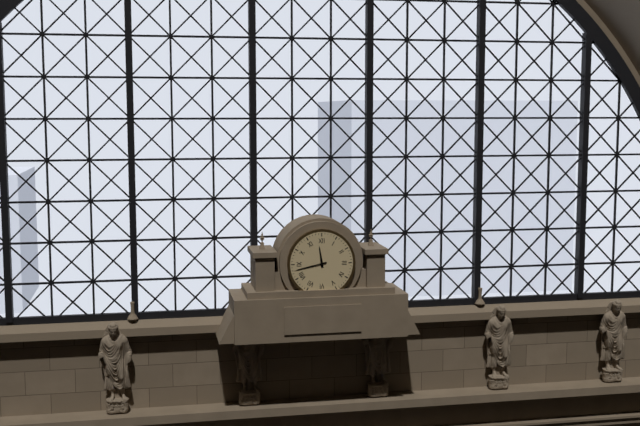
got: 11h43
